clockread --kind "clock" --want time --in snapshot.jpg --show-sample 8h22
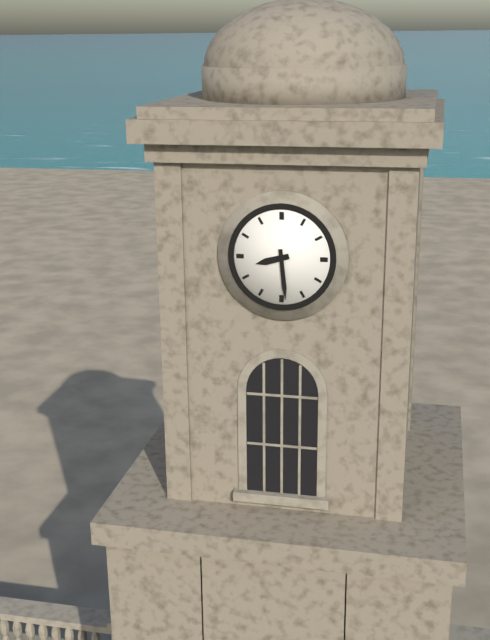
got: 8h29
